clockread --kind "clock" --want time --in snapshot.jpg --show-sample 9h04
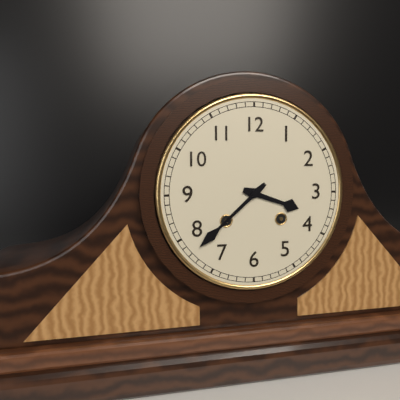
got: 3h38
